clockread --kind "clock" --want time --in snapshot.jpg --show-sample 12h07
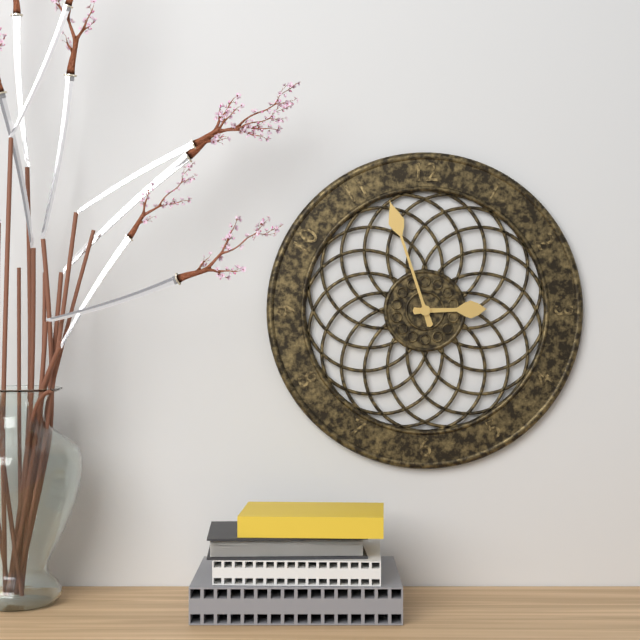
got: 2h57
